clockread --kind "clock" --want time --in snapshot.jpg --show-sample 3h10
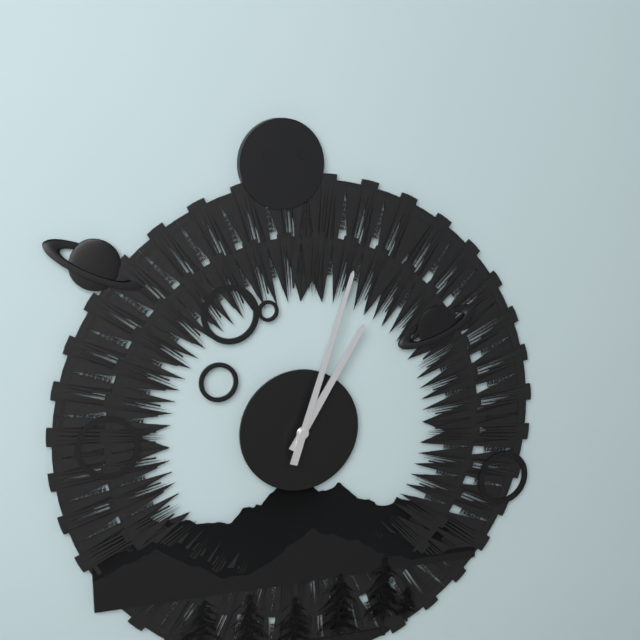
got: 1h03
